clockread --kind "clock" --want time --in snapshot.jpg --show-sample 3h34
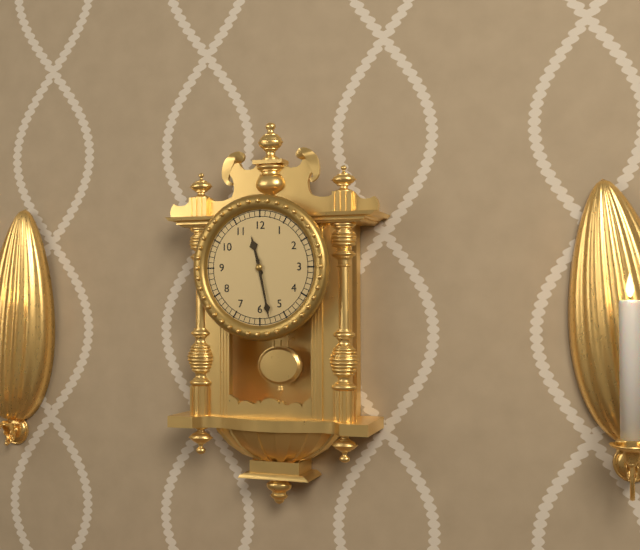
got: 11h28
